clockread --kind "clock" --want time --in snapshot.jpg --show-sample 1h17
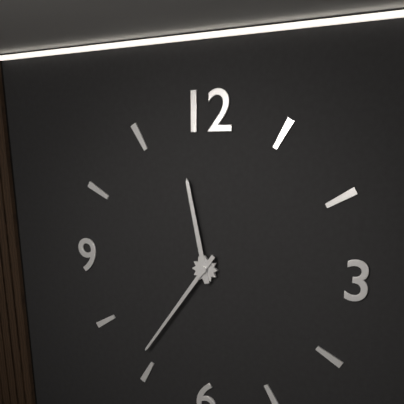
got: 11h36
